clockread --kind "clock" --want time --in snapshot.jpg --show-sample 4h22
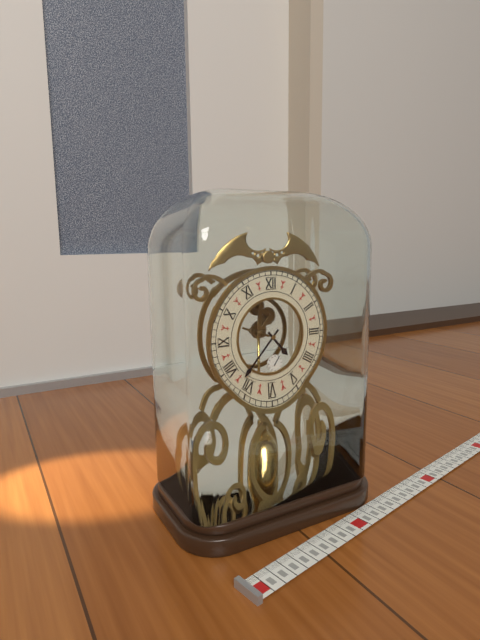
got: 4h37
